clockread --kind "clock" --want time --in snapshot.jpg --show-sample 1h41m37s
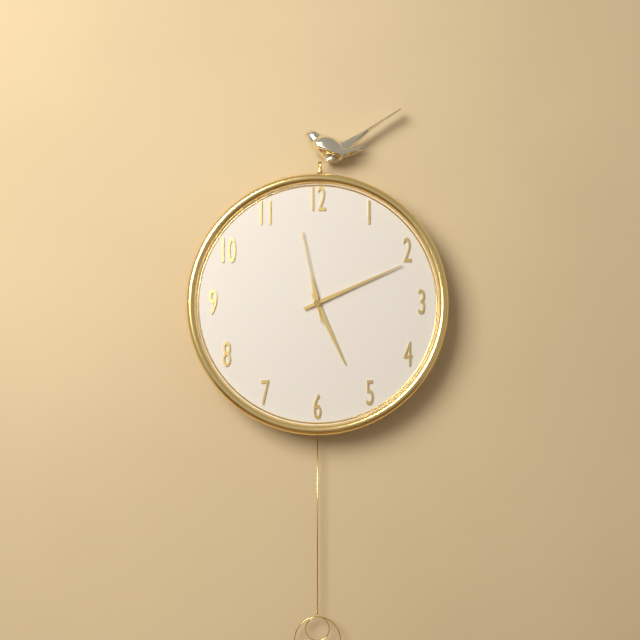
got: 5h11m58s
